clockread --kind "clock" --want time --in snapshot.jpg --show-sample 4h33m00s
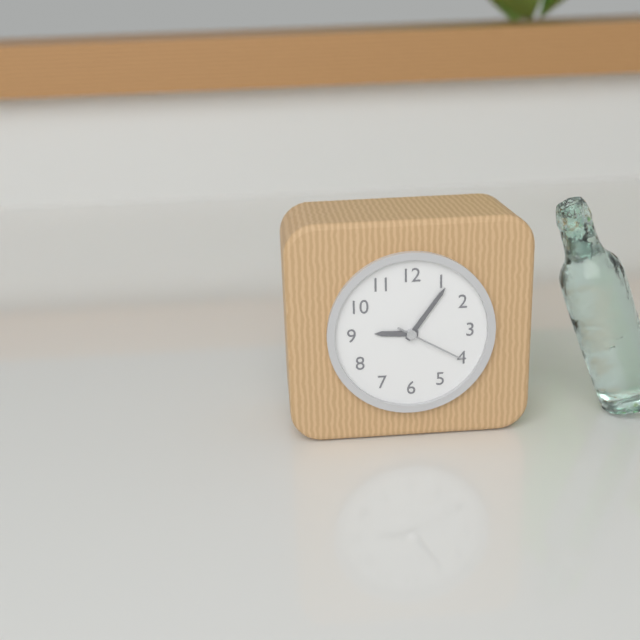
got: 9h06m20s
